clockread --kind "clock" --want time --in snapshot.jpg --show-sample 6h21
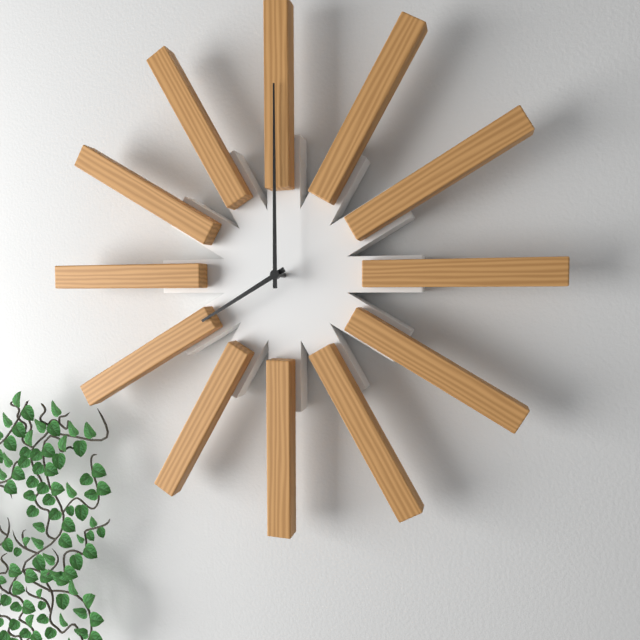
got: 8h00
